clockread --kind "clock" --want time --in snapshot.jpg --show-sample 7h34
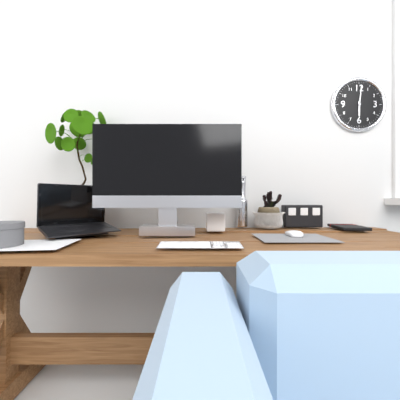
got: 6h01
